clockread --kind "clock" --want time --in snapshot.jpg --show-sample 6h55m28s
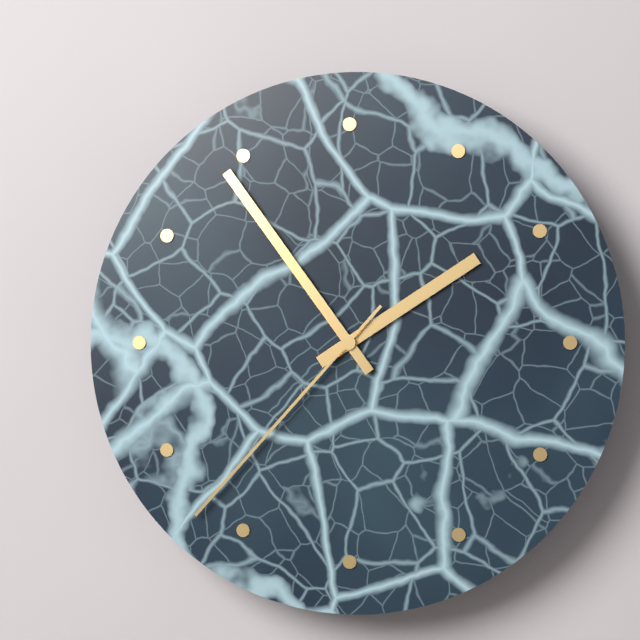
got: 1h54m37s
